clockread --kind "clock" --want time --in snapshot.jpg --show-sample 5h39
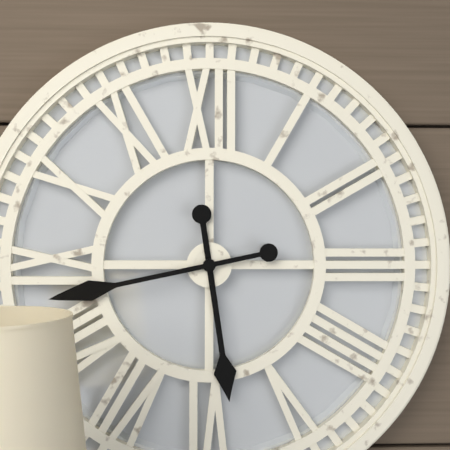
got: 5h43
